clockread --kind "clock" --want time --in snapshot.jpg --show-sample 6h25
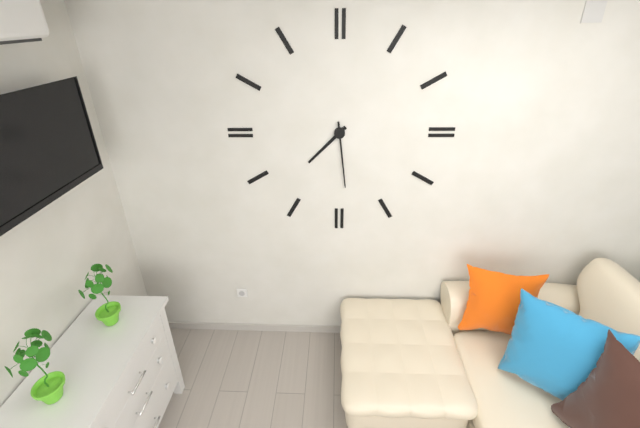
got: 7h29
